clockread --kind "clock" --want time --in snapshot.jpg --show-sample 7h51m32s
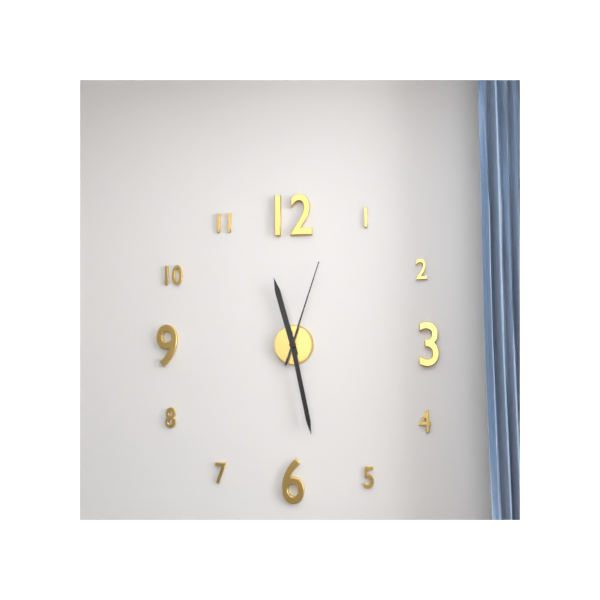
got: 11h28m03s
